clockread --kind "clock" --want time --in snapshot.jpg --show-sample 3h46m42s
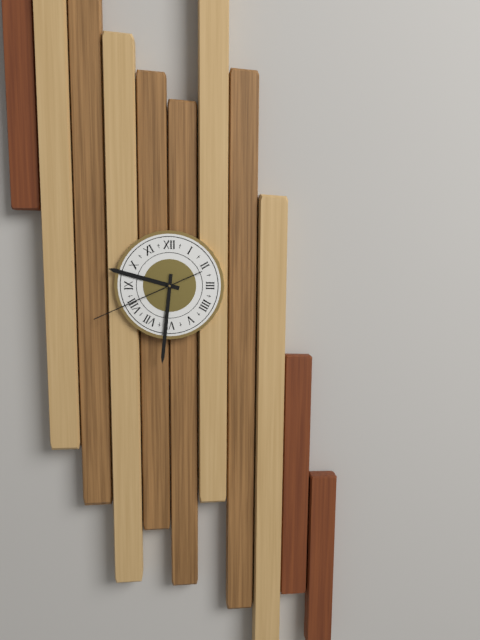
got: 9h31m41s
